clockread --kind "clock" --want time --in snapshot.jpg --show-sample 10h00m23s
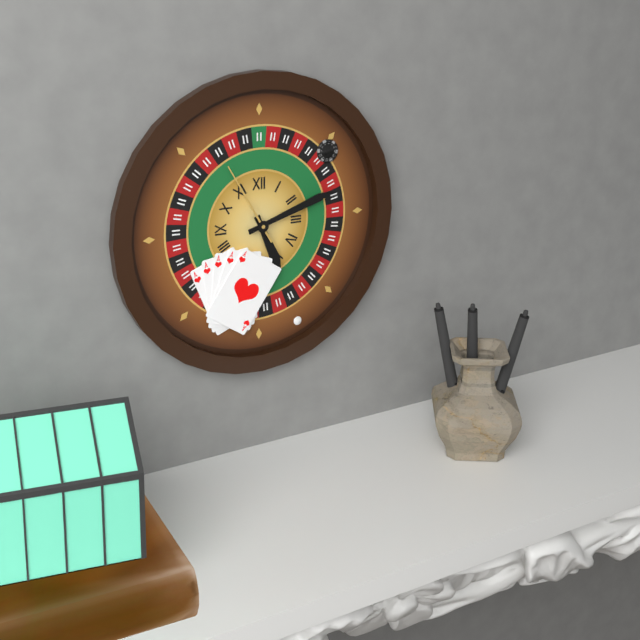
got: 5h12m55s
